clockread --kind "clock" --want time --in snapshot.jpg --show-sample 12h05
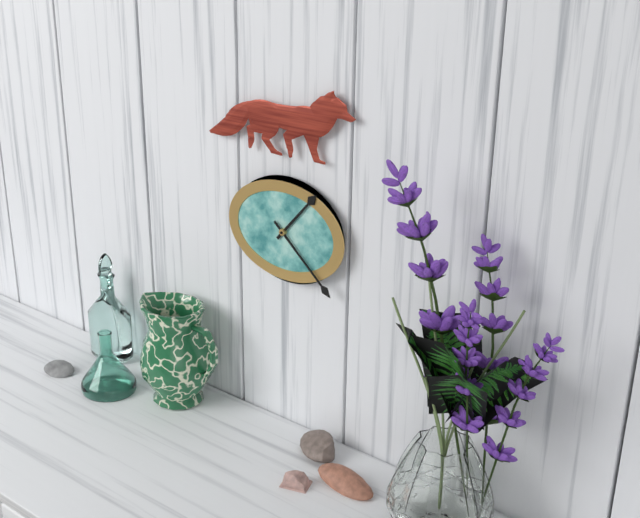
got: 1h22
